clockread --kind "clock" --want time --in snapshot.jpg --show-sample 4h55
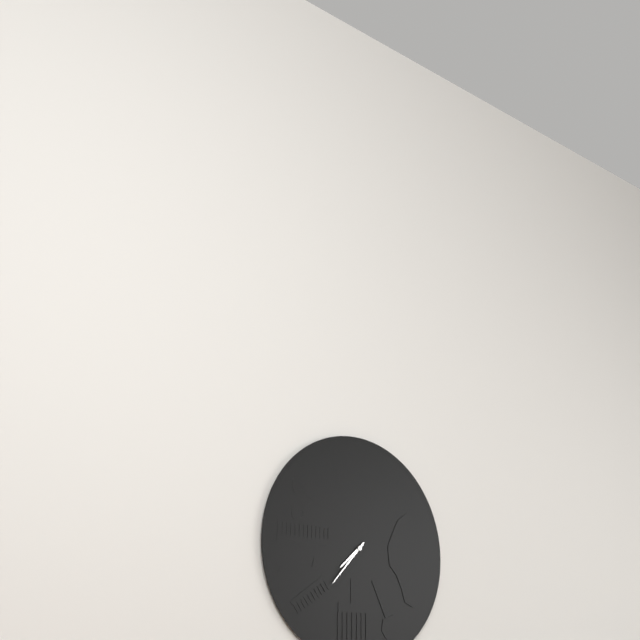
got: 7h37
